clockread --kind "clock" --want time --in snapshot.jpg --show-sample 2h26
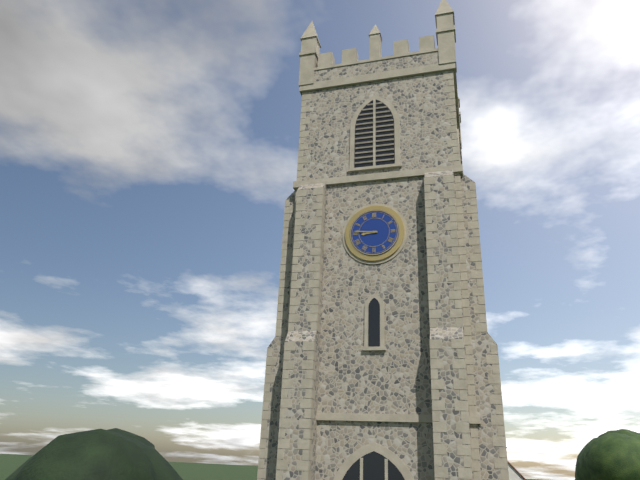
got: 8h46
